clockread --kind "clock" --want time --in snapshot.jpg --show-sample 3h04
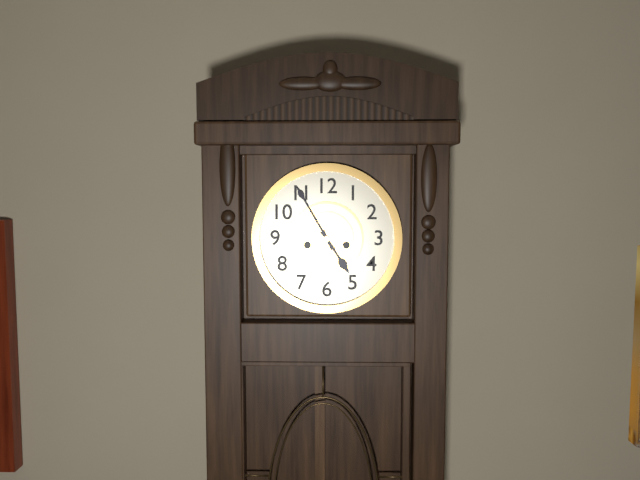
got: 4h55
